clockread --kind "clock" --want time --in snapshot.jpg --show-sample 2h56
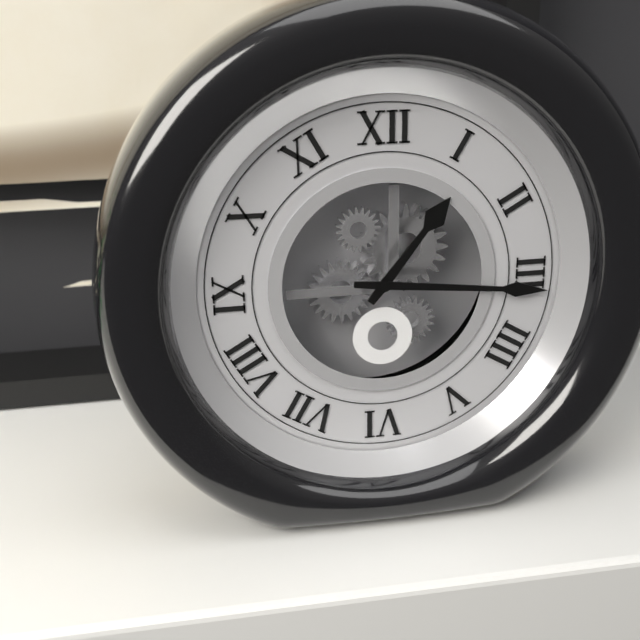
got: 1h16
